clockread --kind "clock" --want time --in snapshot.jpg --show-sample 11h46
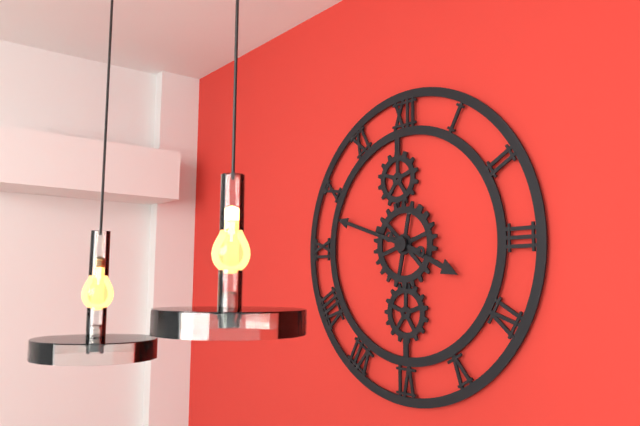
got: 3h48
